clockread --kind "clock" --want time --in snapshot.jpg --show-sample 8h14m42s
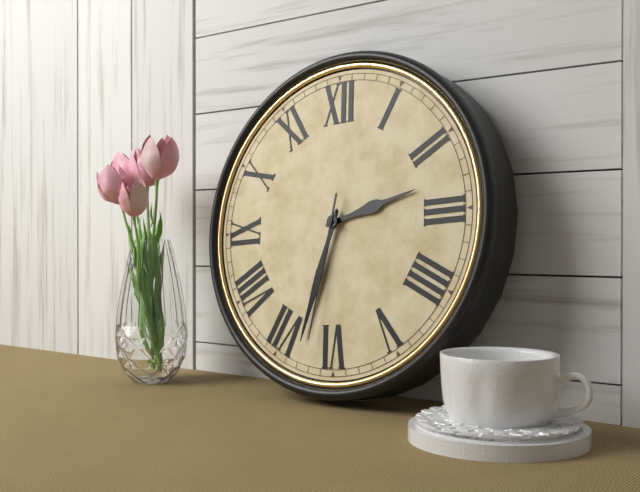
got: 2h33m32s
